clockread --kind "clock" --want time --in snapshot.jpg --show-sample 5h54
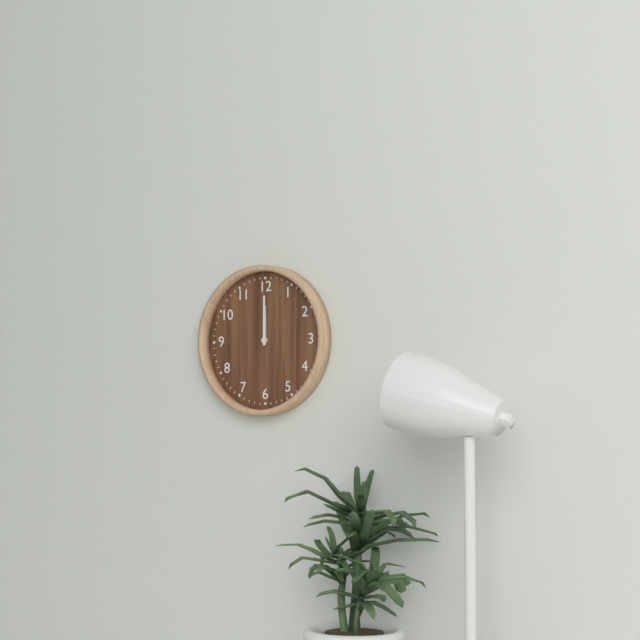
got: 12h00
